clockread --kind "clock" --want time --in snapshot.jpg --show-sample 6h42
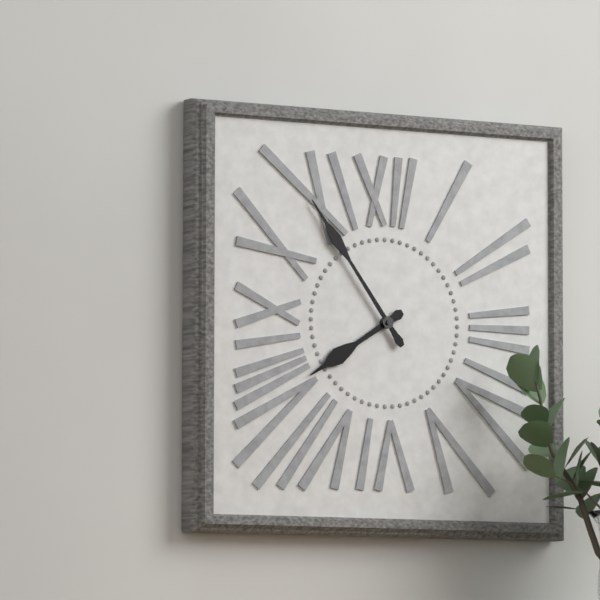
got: 7h54
